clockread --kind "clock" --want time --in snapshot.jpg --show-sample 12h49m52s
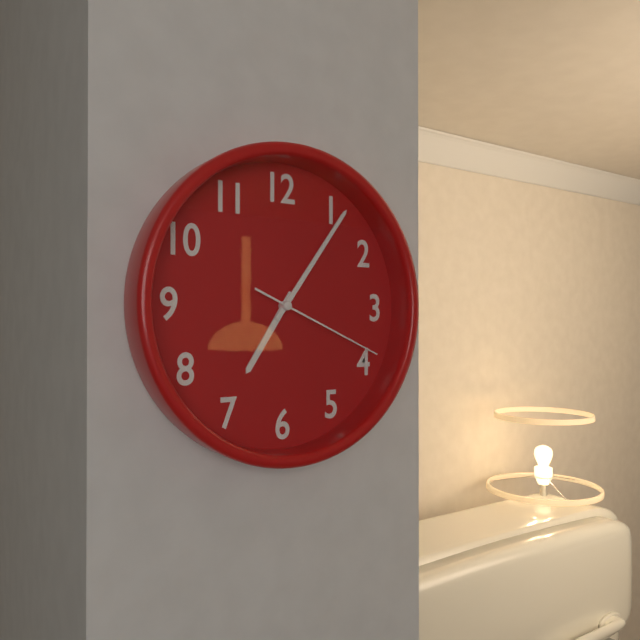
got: 7h06m19s
